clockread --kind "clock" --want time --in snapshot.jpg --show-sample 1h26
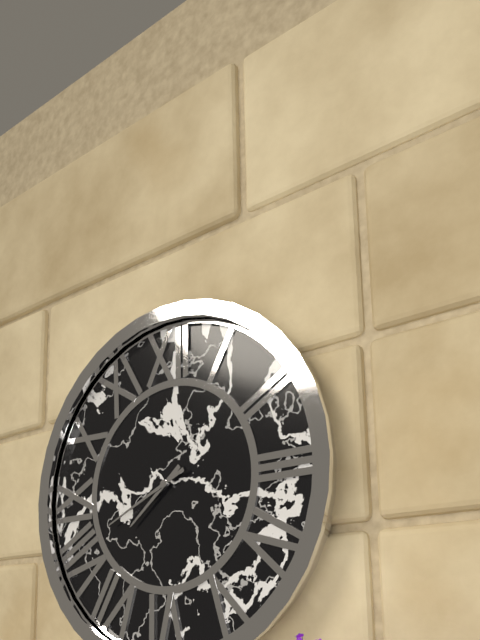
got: 7h41
